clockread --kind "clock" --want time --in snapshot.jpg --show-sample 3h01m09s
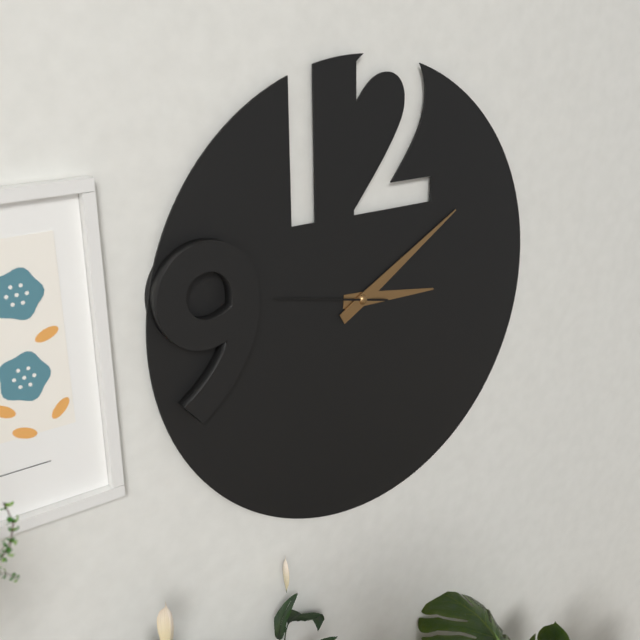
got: 3h10m47s
